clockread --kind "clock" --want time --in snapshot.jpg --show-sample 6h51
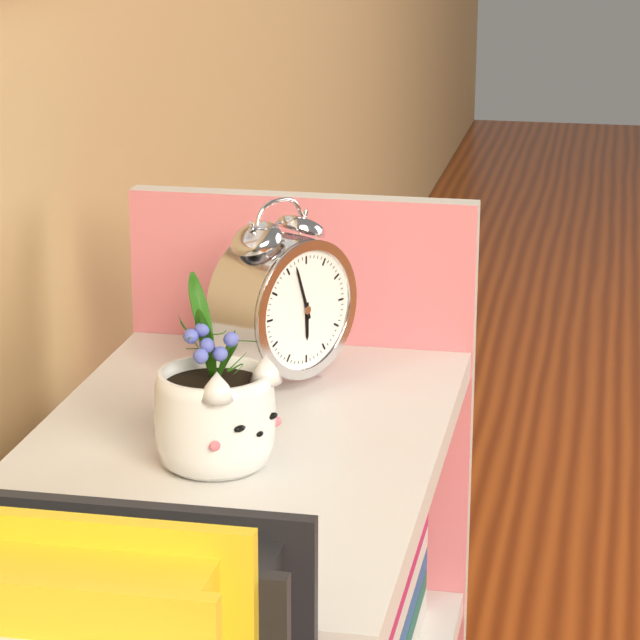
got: 5h57
